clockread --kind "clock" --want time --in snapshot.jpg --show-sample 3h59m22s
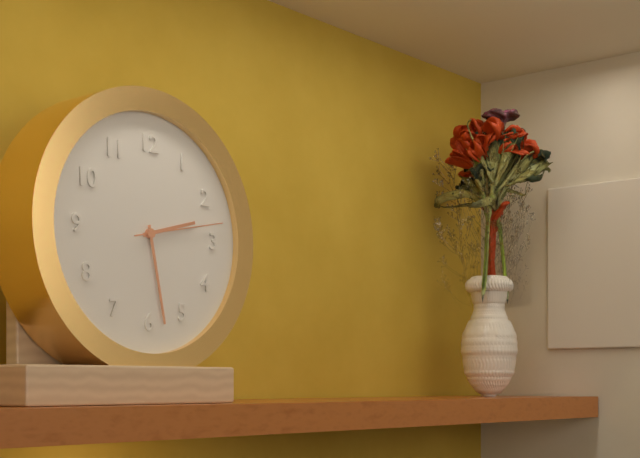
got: 2h28m13s
